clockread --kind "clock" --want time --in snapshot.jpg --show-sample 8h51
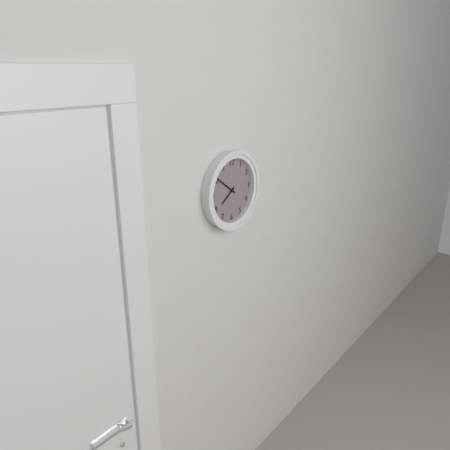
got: 7h51
